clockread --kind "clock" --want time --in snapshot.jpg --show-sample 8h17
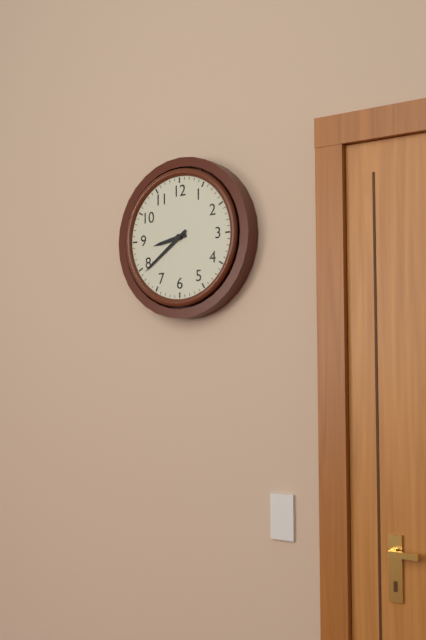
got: 8h39
